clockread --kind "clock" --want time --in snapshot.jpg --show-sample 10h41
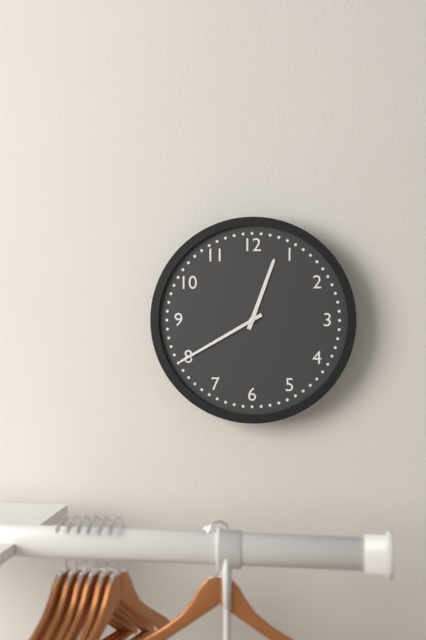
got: 12h40
